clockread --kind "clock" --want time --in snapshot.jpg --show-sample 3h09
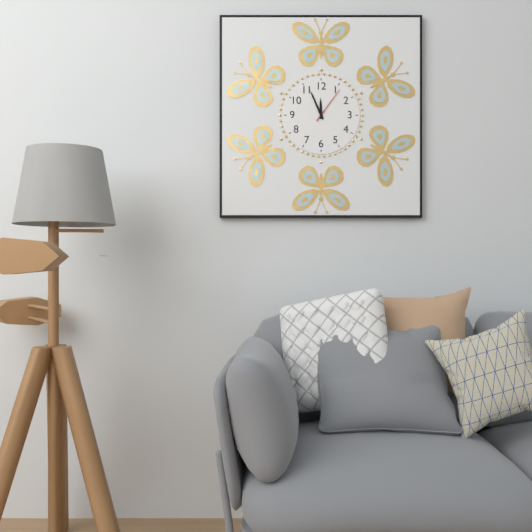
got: 11h56
